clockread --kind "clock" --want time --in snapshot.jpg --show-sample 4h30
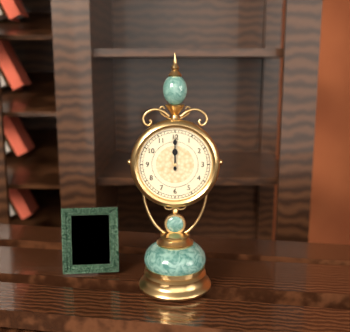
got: 12h00
